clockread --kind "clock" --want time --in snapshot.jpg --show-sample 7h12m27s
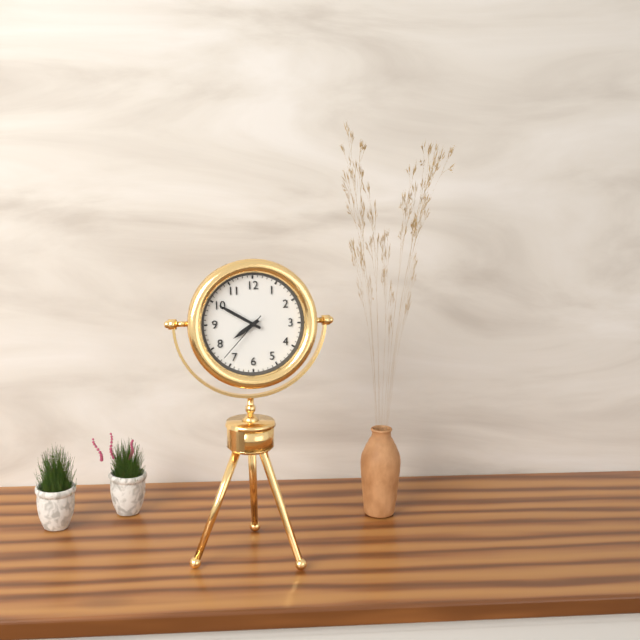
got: 7h50m37s
